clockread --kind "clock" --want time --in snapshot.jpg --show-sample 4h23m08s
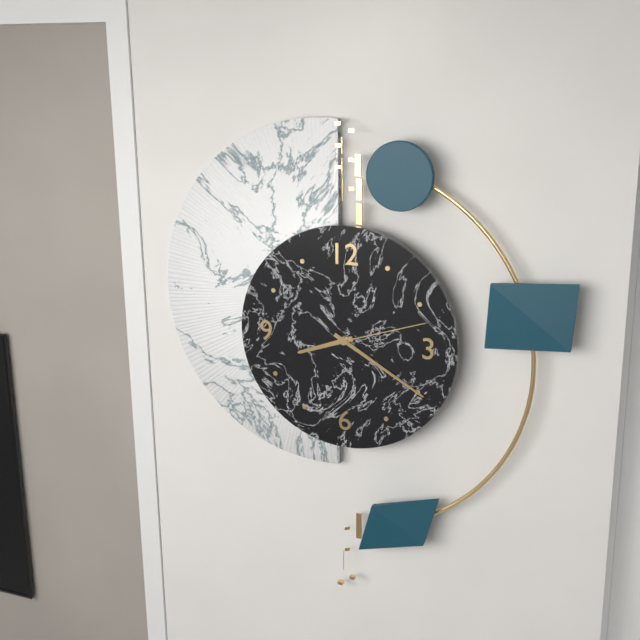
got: 8h20m12s
